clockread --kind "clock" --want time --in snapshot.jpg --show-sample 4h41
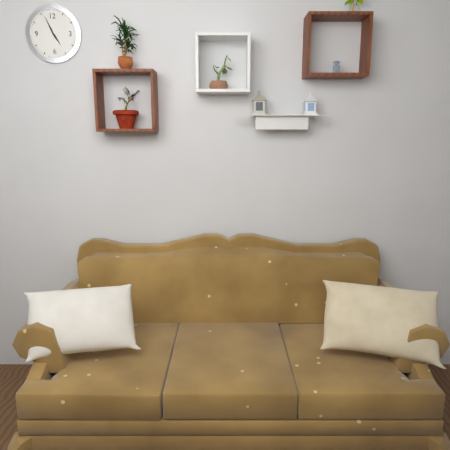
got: 4h56
